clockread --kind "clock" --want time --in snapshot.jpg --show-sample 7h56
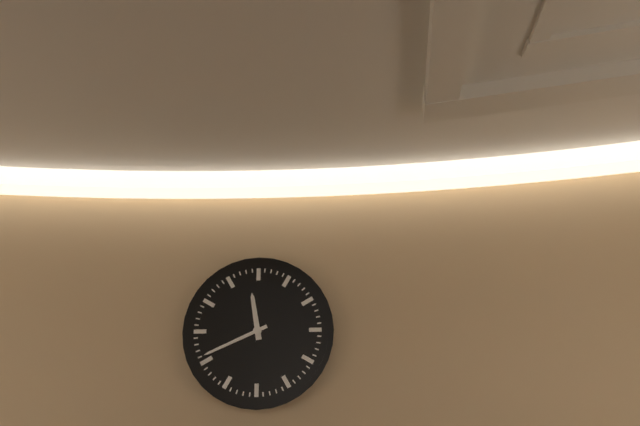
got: 11h41
